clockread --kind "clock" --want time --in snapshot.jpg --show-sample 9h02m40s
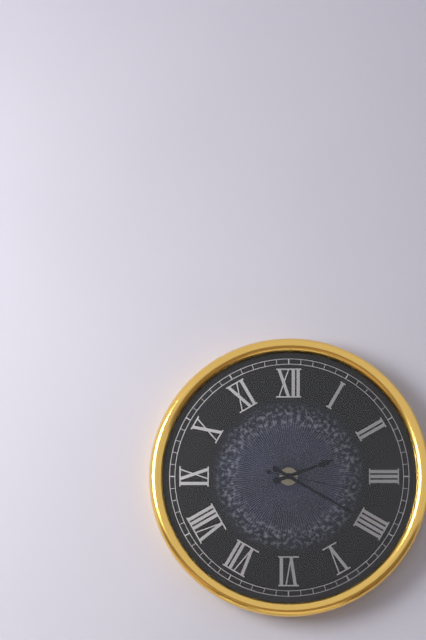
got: 2h20m17s
